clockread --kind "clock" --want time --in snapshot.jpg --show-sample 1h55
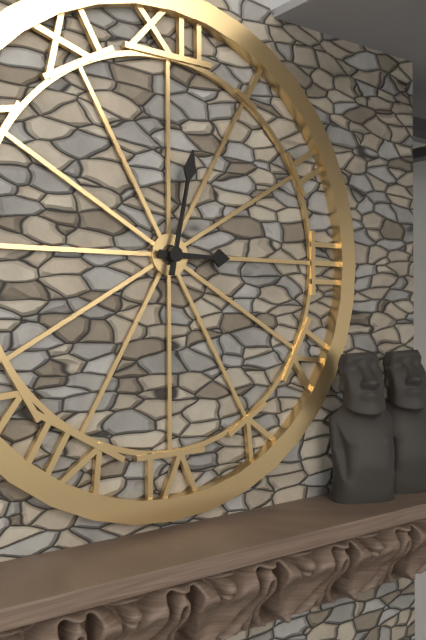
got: 3h02
